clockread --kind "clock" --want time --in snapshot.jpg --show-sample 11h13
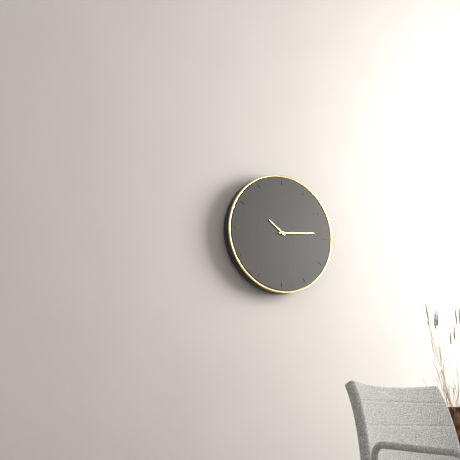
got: 10h14
